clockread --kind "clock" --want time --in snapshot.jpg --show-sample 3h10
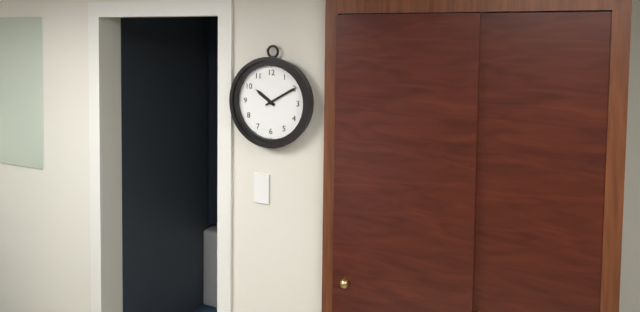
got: 10h10
